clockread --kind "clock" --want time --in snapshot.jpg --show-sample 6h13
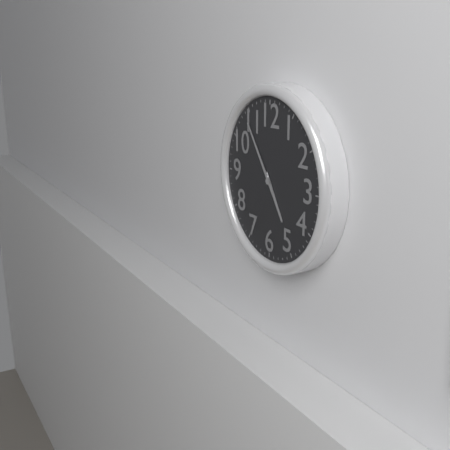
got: 4h54
